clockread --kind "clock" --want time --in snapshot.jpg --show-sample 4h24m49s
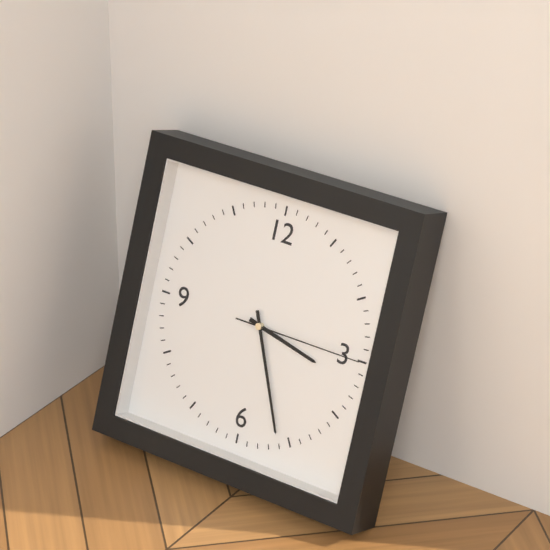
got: 3h26m15s
